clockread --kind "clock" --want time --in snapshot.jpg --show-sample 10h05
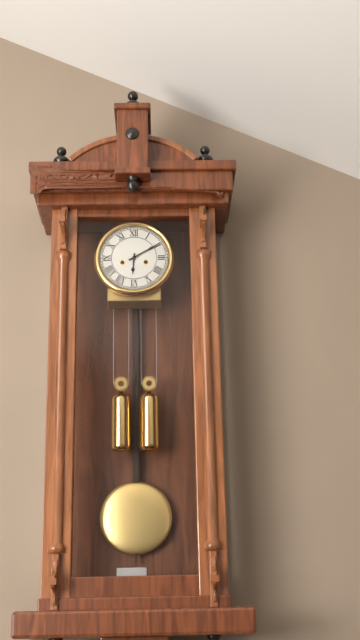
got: 6h10
